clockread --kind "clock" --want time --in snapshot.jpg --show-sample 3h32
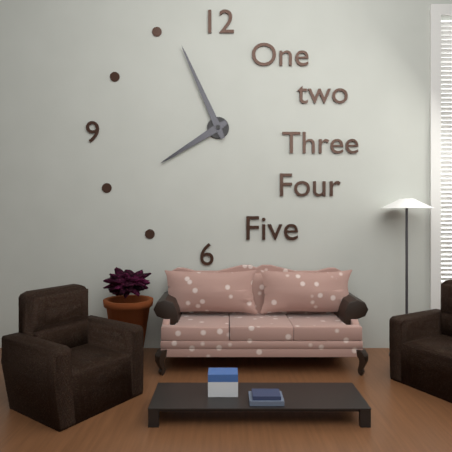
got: 7h56
